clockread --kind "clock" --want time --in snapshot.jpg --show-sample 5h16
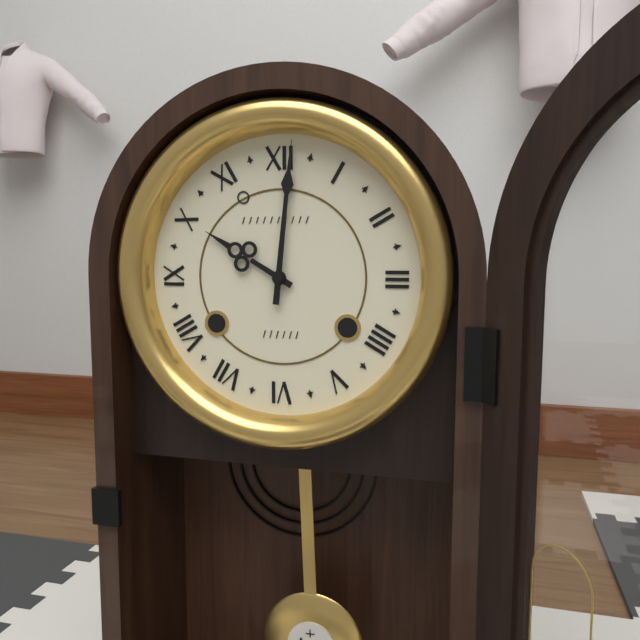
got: 10h01
